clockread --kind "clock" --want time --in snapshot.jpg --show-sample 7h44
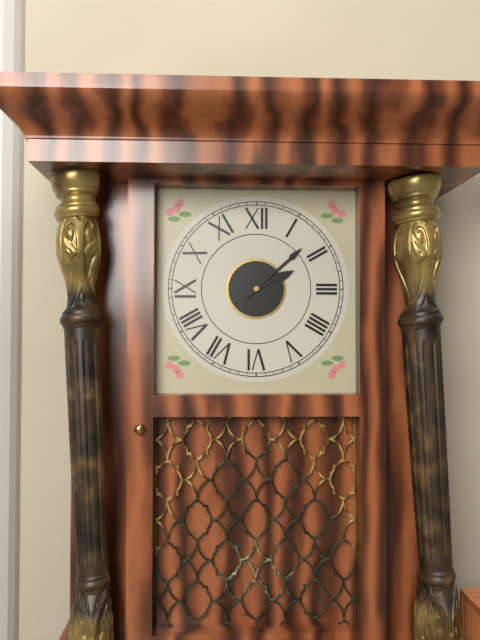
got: 2h08
